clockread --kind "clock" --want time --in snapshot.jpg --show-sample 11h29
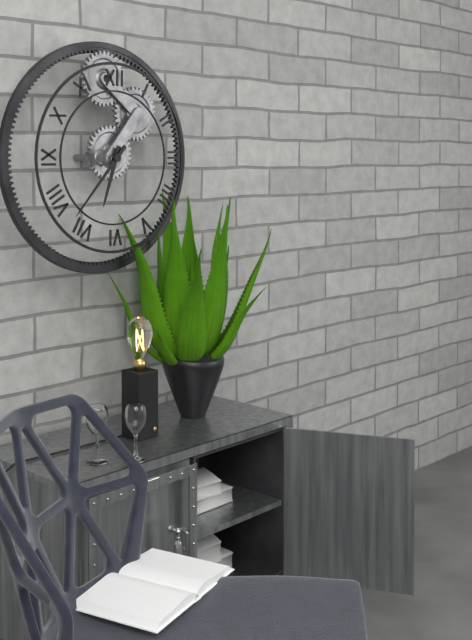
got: 6h37
